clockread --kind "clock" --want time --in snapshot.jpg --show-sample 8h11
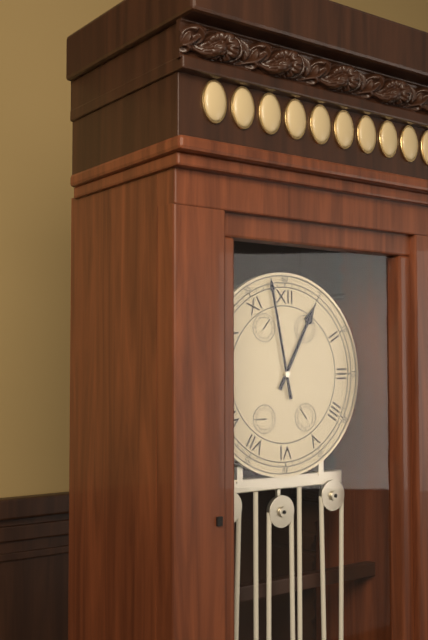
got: 12h58
